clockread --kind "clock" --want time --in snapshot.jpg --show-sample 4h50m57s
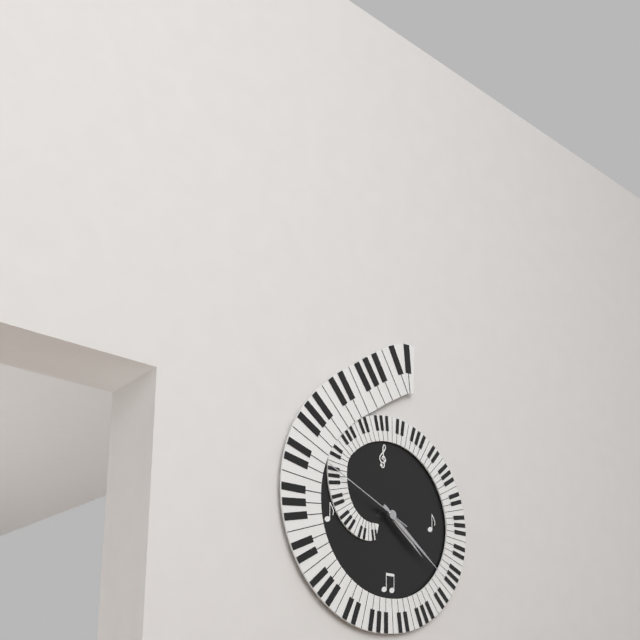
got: 4h21m49s
